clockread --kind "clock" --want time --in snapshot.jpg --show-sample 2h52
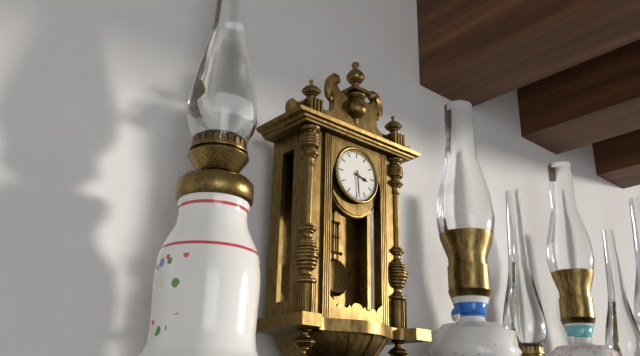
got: 3h29
